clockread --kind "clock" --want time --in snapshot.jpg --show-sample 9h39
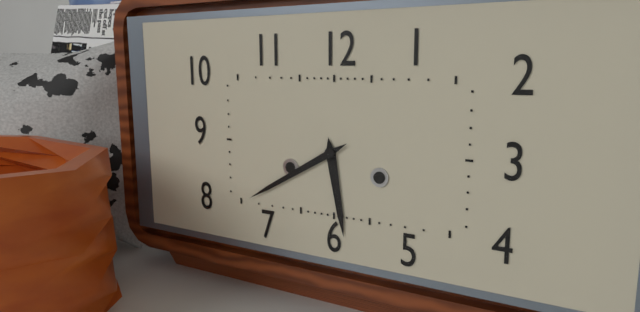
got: 5h40
